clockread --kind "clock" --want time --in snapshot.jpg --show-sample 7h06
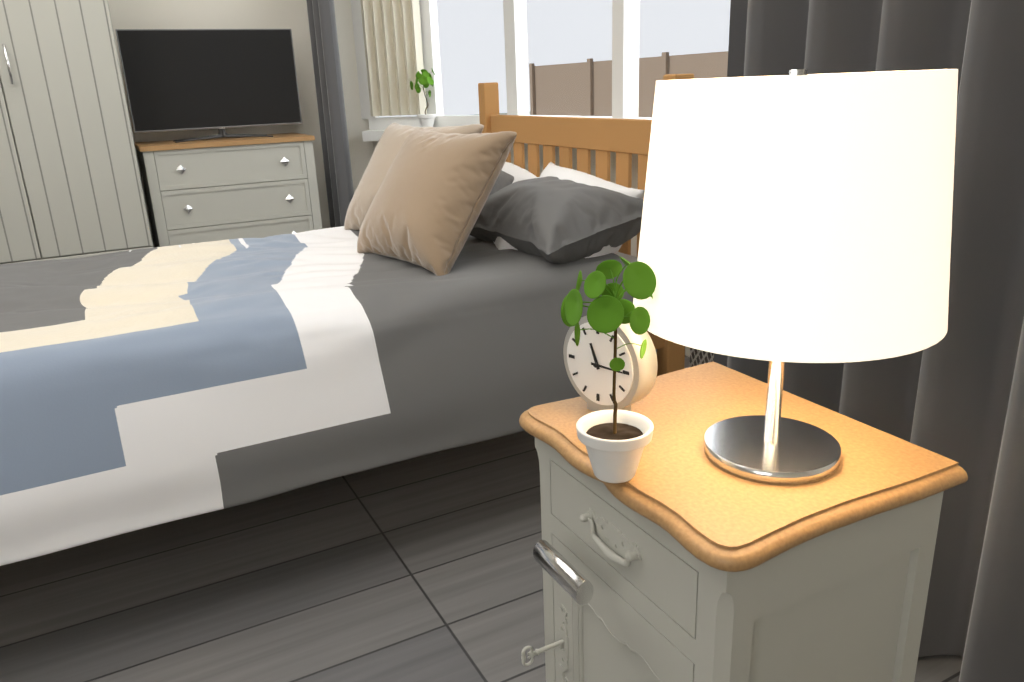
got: 11h15
